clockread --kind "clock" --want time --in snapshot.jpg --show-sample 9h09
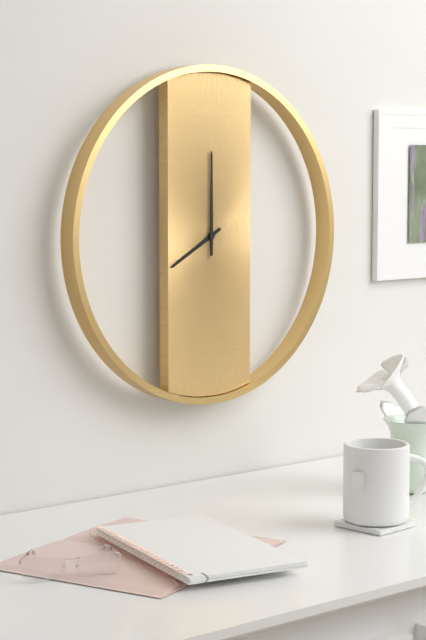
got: 8h00
